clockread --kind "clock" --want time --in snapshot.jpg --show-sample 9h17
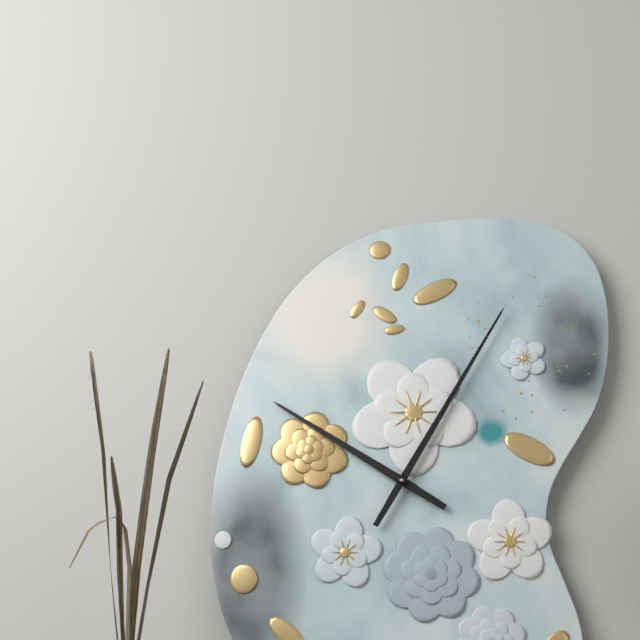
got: 10h05
